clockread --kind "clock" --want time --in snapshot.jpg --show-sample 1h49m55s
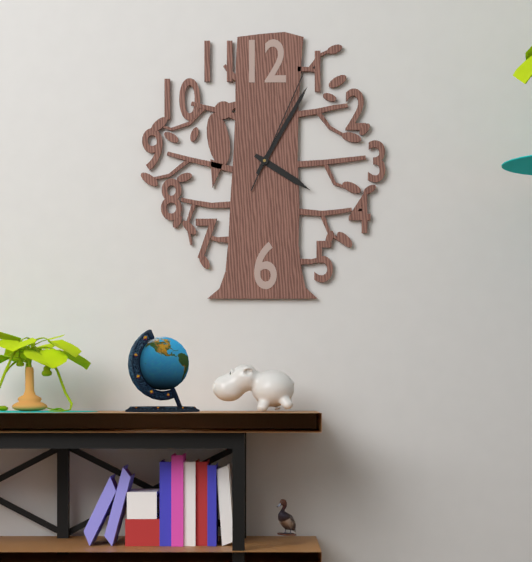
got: 4h05m04s
